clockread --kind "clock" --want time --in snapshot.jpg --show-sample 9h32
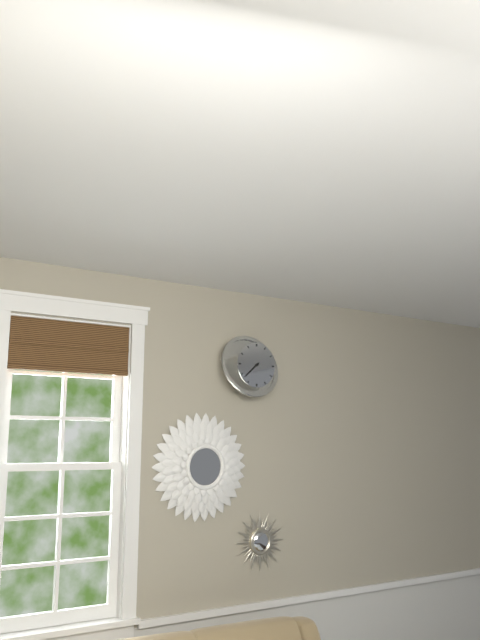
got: 7h38
